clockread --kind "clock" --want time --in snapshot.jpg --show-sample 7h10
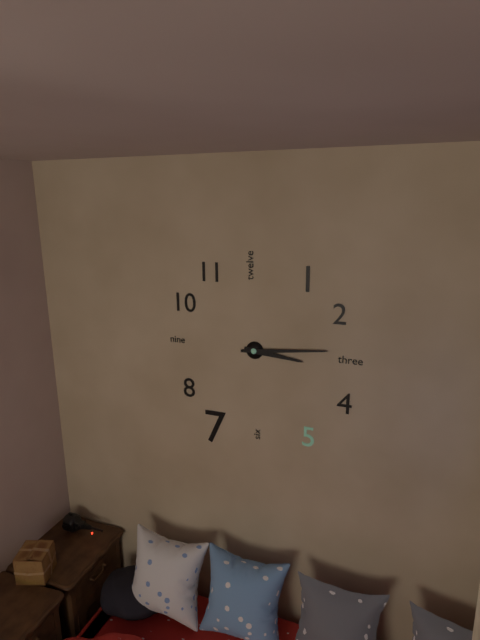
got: 3h14
